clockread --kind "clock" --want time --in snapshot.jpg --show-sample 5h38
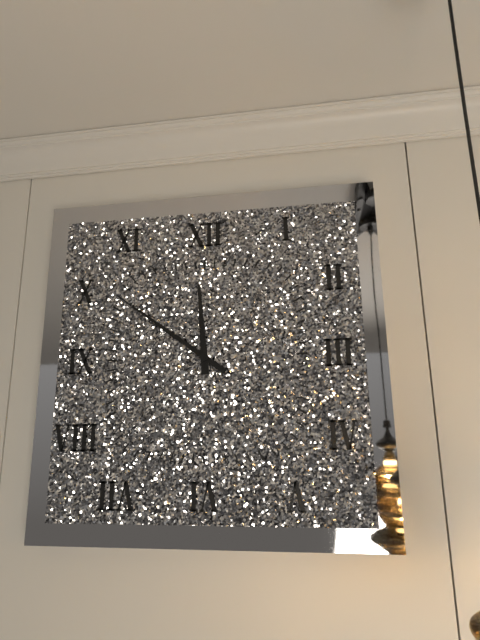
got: 11h51
